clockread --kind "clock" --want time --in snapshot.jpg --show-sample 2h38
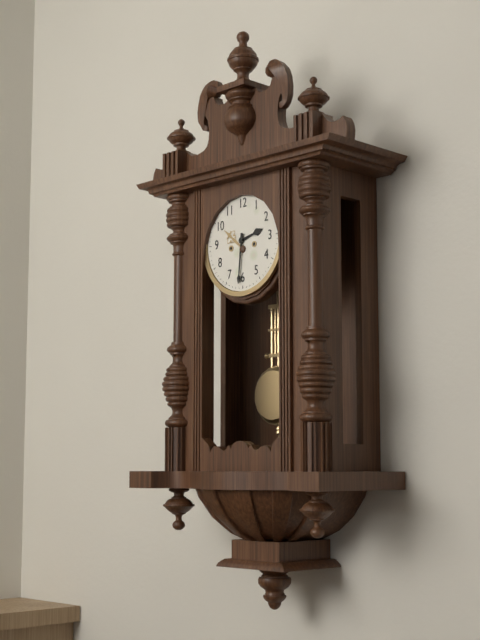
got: 2h31
